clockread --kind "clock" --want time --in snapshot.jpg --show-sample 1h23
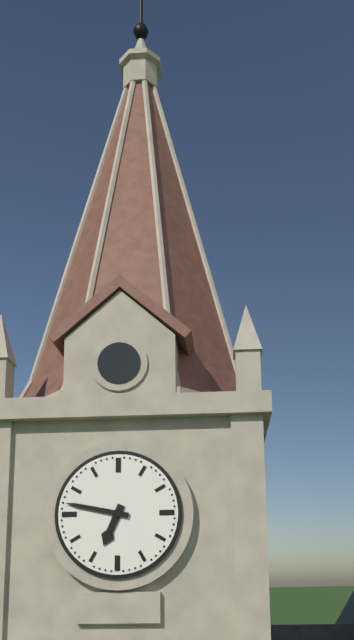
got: 6h47
